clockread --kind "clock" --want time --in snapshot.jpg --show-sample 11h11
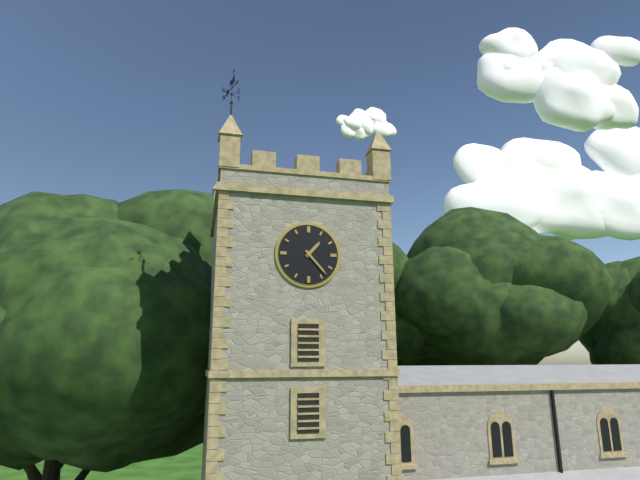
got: 1h23
